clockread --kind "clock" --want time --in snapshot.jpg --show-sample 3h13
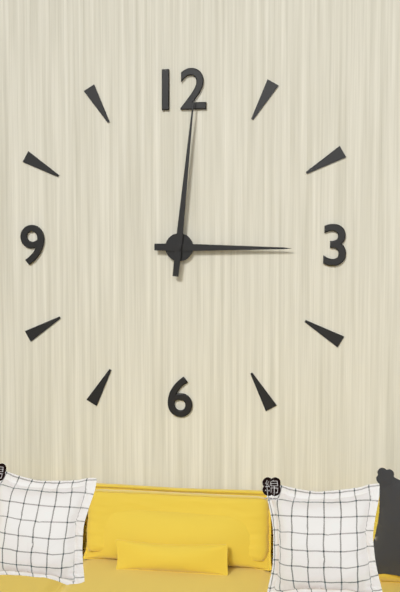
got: 3h01
